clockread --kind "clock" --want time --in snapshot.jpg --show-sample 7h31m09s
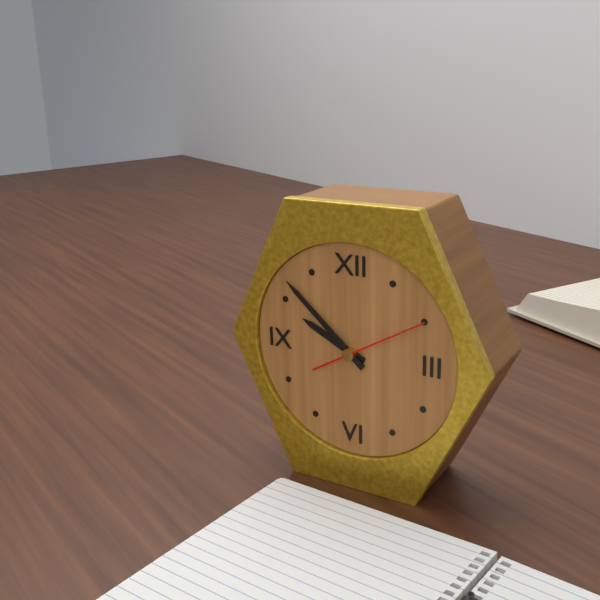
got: 9h52m10s
